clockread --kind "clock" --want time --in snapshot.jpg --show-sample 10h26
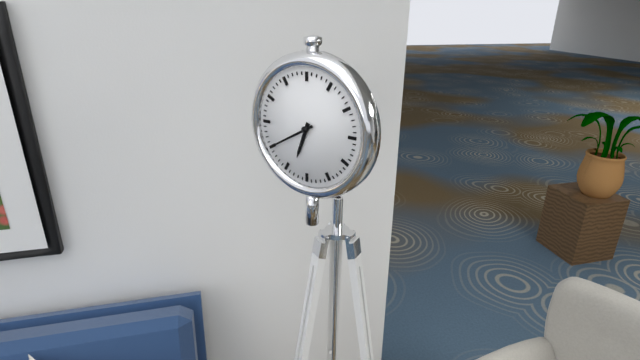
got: 6h40
